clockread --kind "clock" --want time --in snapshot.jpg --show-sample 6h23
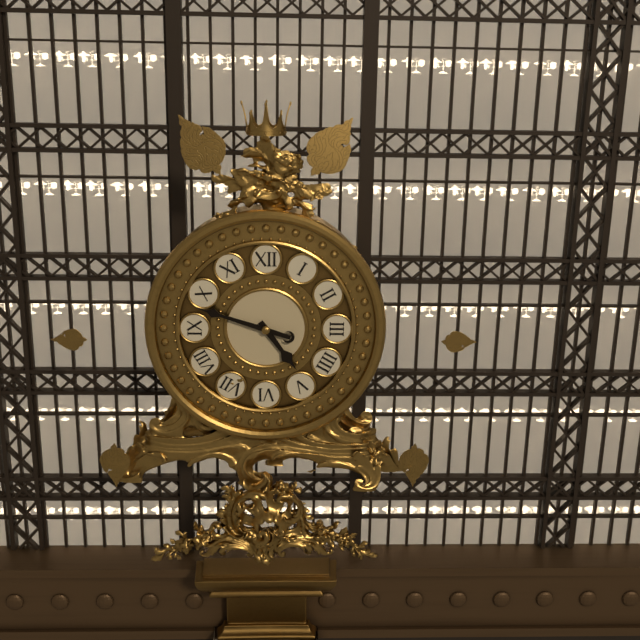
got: 4h48
